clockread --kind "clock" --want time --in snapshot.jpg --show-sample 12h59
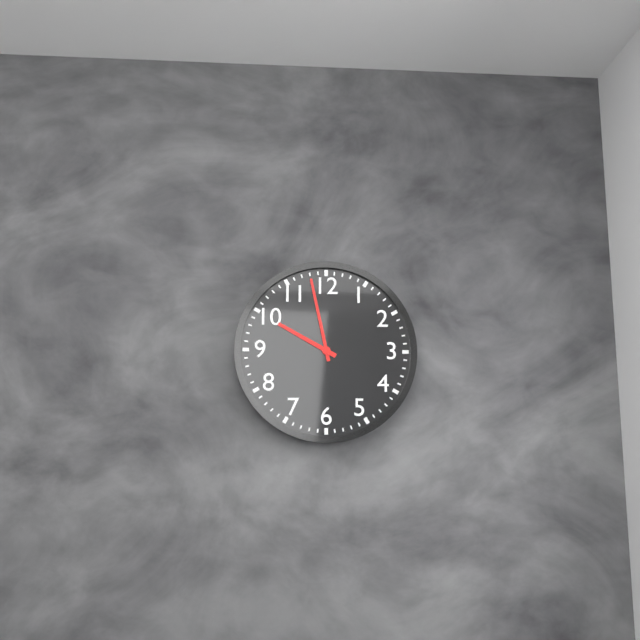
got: 9h58
